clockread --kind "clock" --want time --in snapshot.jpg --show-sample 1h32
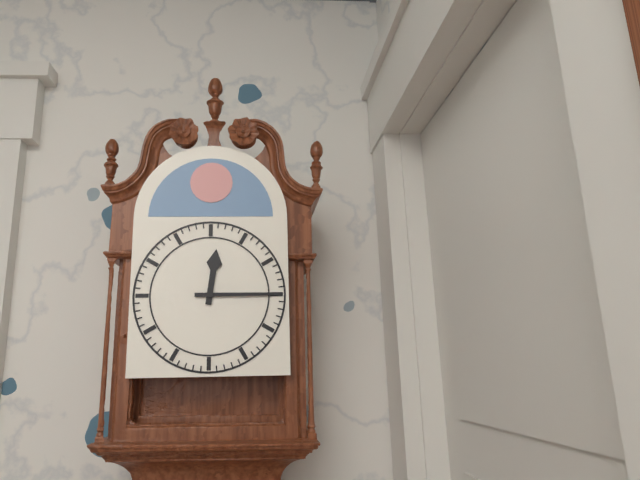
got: 12h15
